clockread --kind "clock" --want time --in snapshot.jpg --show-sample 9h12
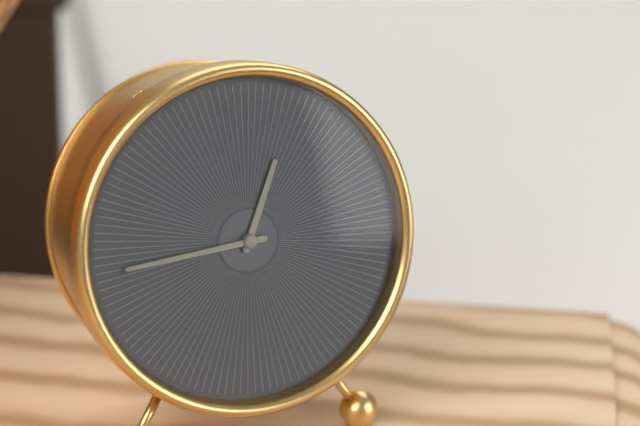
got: 12h44
